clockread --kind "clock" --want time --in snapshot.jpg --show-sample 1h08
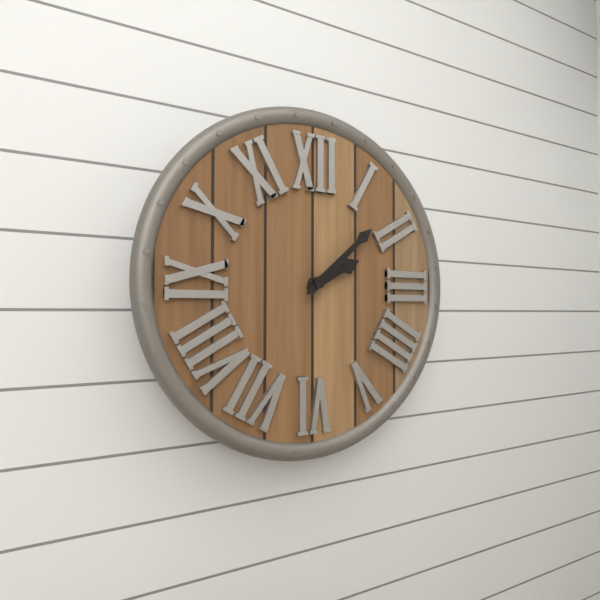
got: 2h08
